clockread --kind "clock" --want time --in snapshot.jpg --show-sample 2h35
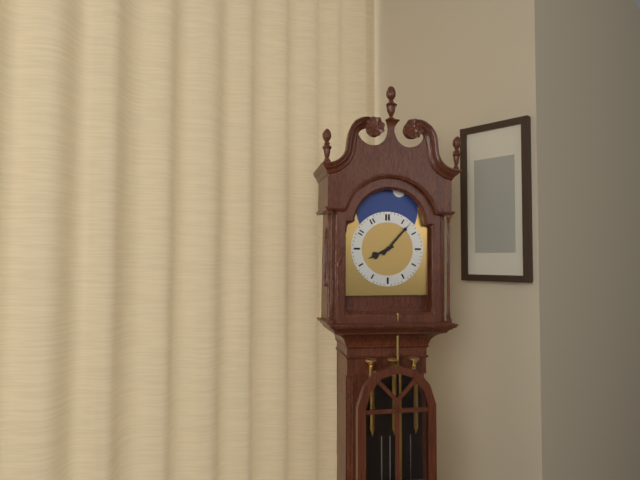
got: 8h07
